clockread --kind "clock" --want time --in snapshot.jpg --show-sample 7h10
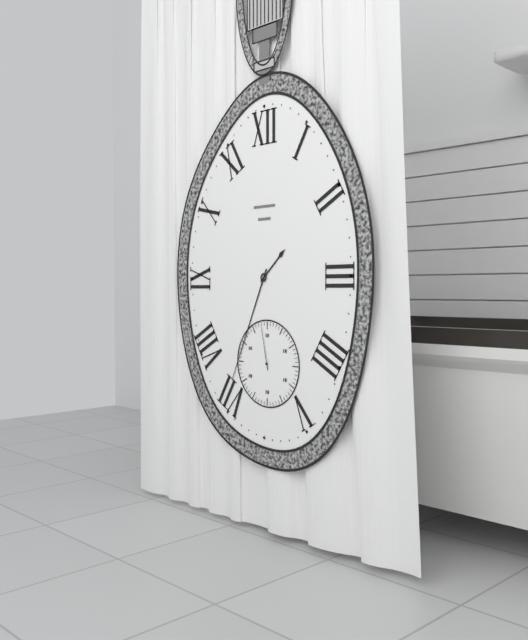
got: 1h34
